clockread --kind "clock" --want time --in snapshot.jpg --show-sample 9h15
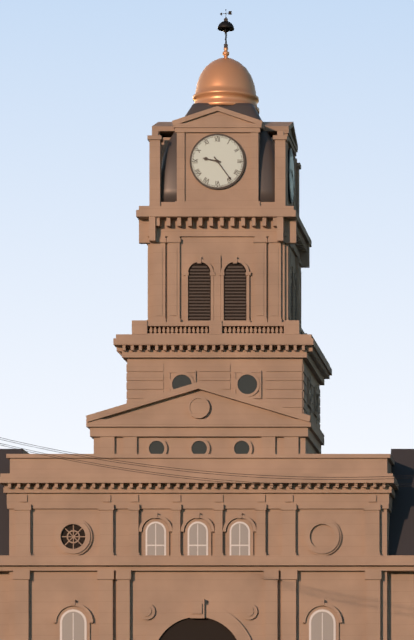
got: 9h24
